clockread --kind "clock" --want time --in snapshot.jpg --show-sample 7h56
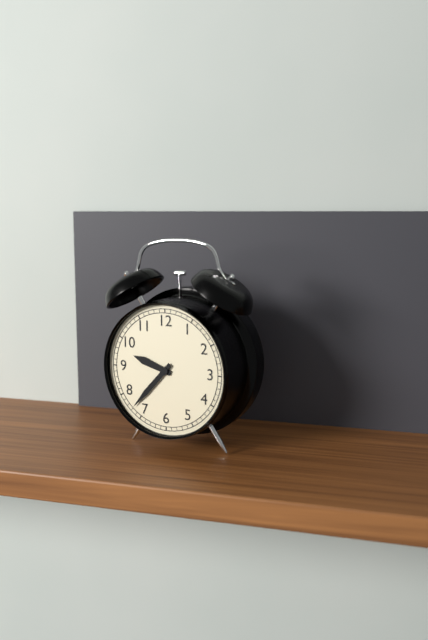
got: 9h37
